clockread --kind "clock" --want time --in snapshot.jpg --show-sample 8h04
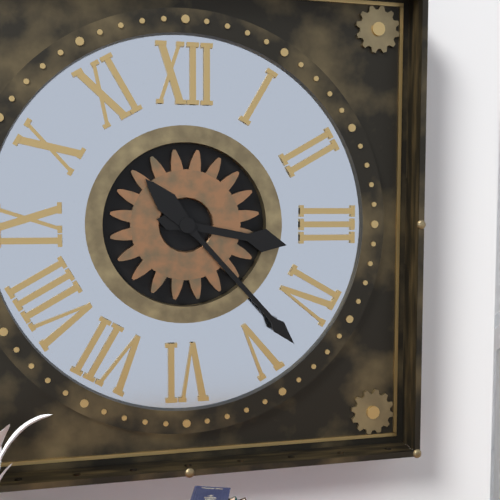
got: 3h23
